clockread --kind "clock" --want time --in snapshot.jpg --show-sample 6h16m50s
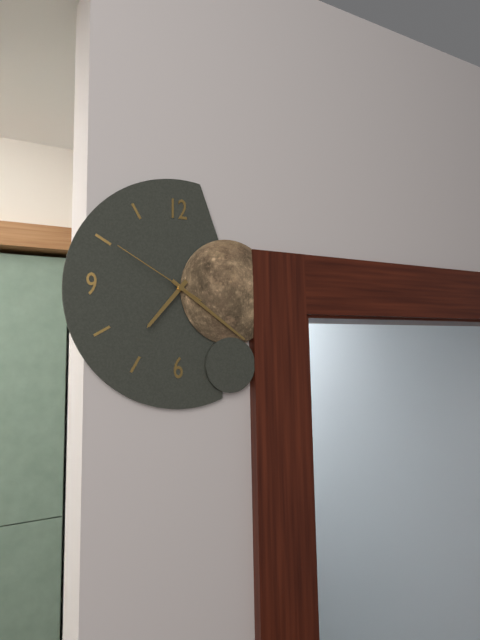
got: 7h21m50s
